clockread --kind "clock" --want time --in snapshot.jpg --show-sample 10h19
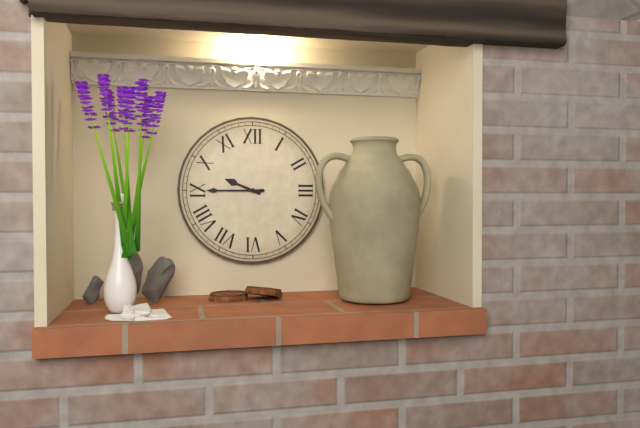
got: 9h45
